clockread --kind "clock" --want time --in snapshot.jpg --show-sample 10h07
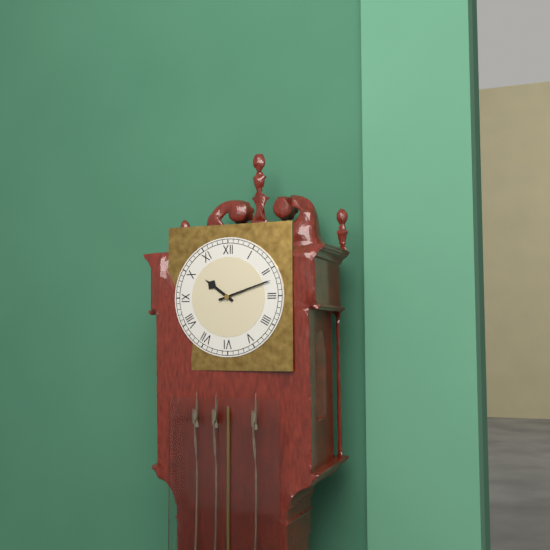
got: 10h12
